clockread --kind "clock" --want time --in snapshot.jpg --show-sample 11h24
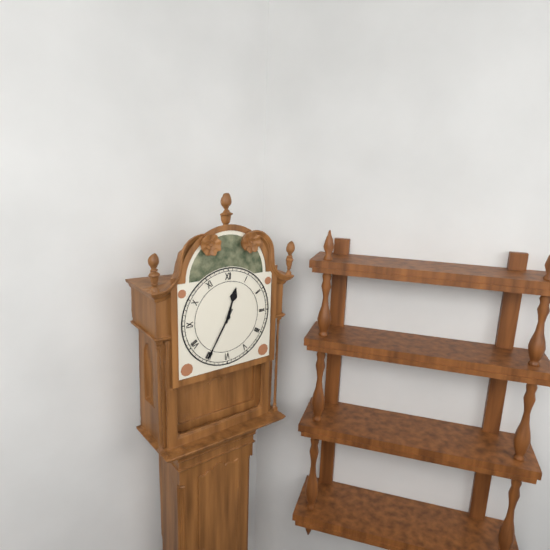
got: 12h35
